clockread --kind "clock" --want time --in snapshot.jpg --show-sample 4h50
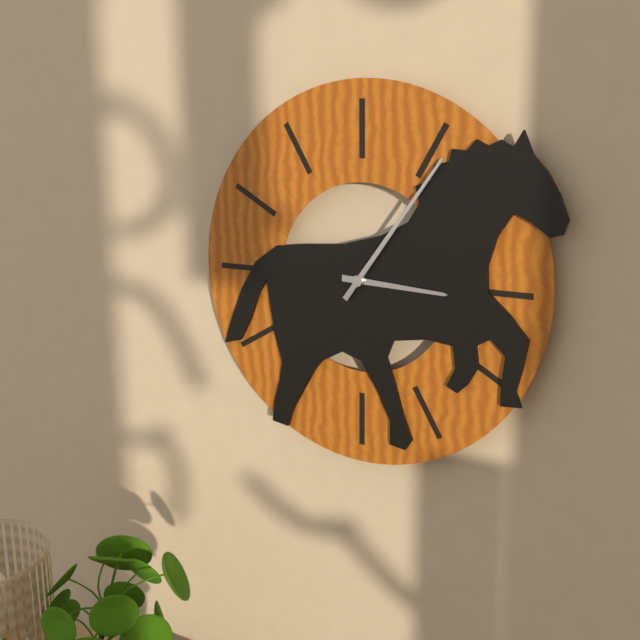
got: 3h06
